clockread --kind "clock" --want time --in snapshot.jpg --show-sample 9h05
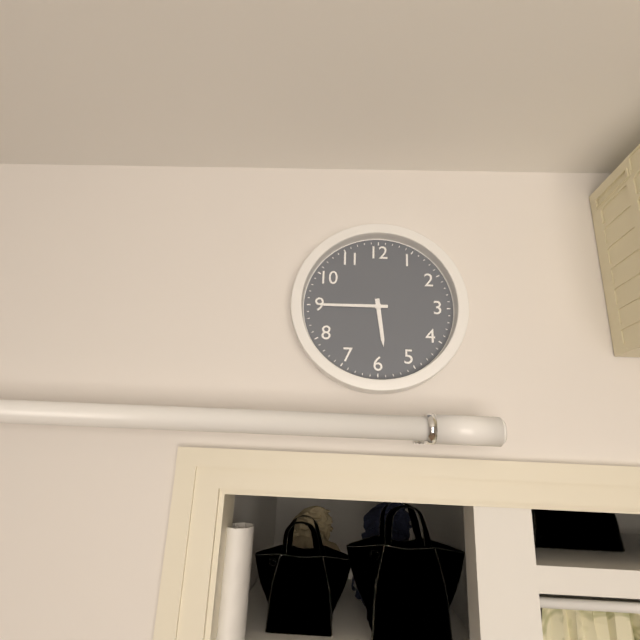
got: 5h45
